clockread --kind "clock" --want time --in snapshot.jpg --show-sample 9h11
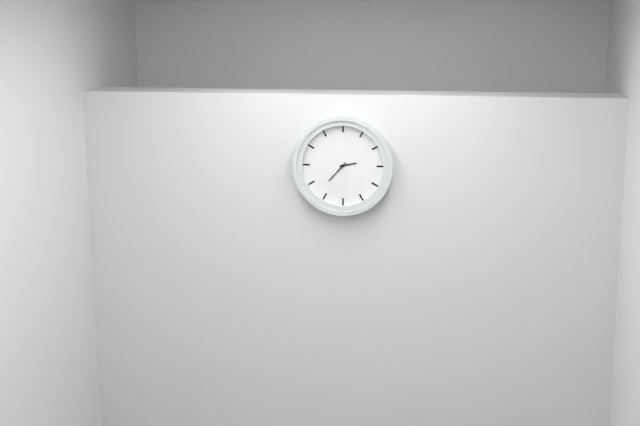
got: 2h37
